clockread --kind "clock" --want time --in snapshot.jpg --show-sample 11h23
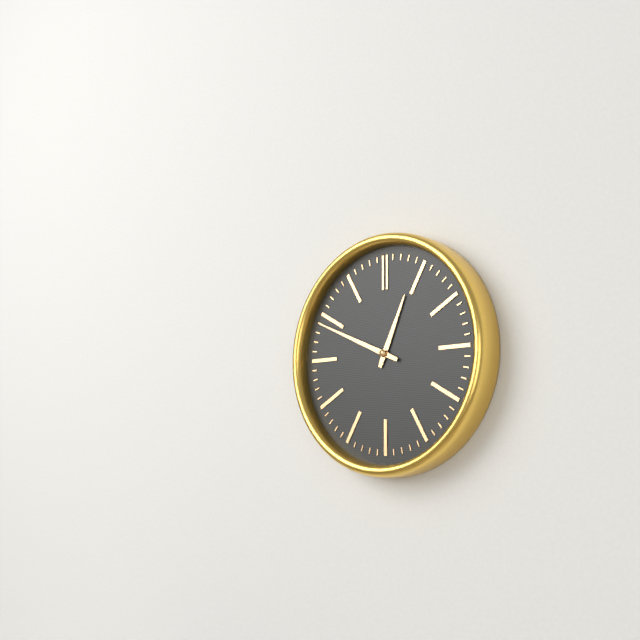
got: 12h49
